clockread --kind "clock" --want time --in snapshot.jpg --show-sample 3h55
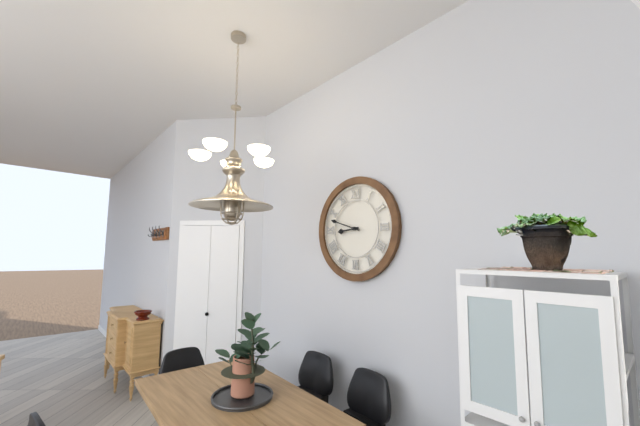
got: 8h48
